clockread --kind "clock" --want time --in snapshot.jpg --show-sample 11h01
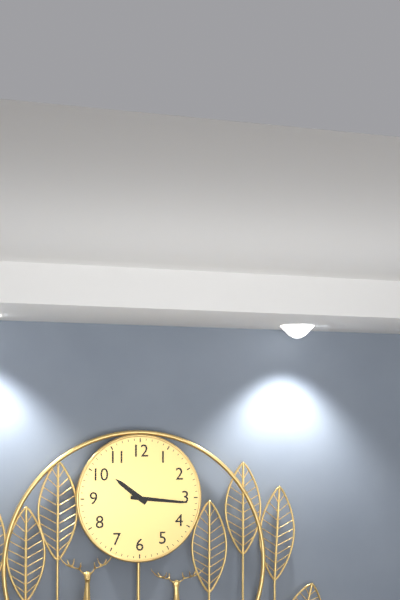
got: 10h16
